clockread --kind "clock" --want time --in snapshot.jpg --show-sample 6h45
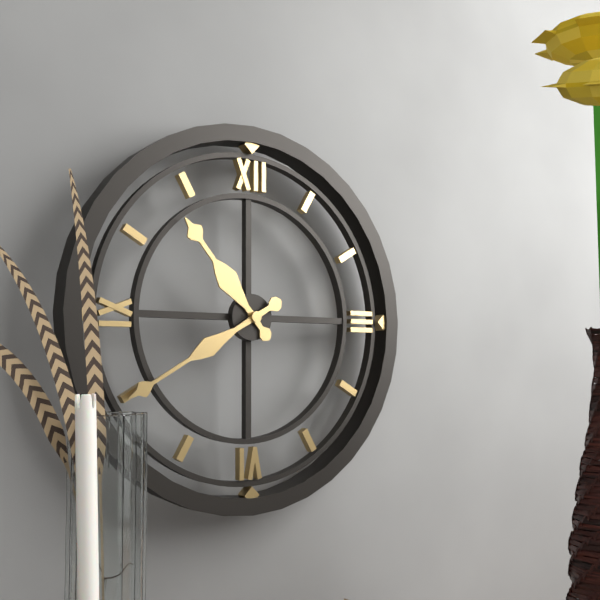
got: 10h40
